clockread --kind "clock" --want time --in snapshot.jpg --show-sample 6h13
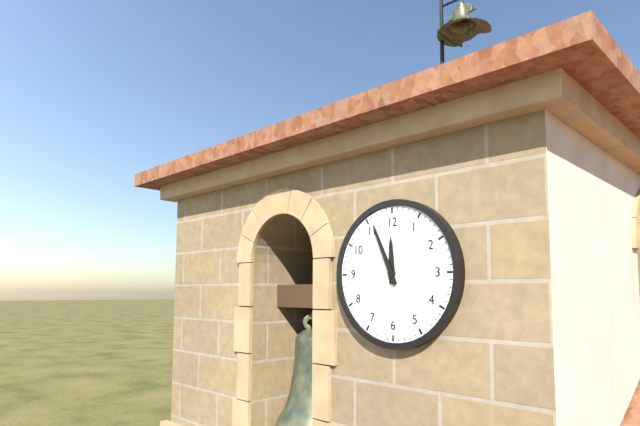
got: 11h56
